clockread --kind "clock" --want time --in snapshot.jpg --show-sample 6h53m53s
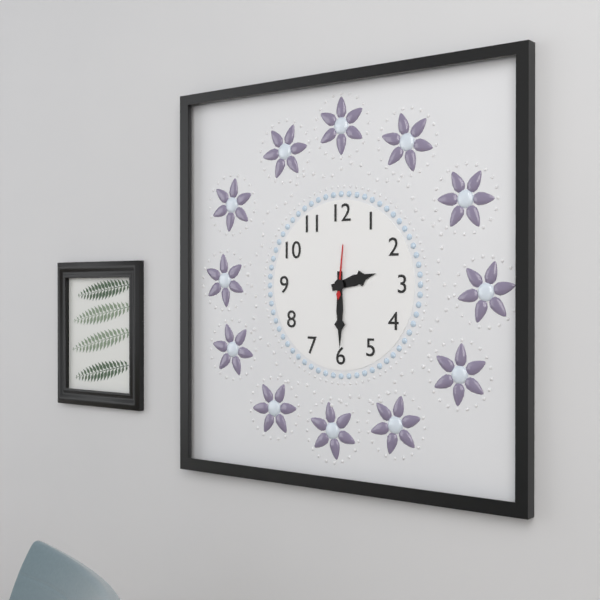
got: 2h30m01s
